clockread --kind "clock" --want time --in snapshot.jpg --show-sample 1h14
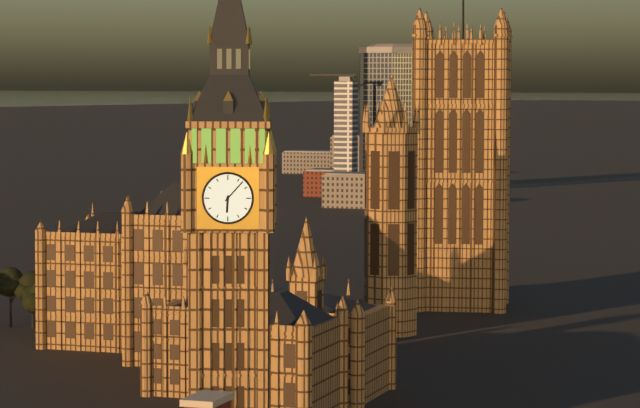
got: 6h07
